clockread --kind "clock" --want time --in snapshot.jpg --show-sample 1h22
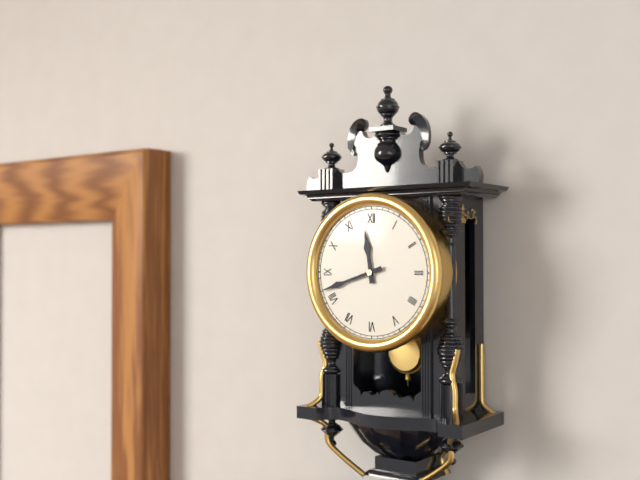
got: 11h42
